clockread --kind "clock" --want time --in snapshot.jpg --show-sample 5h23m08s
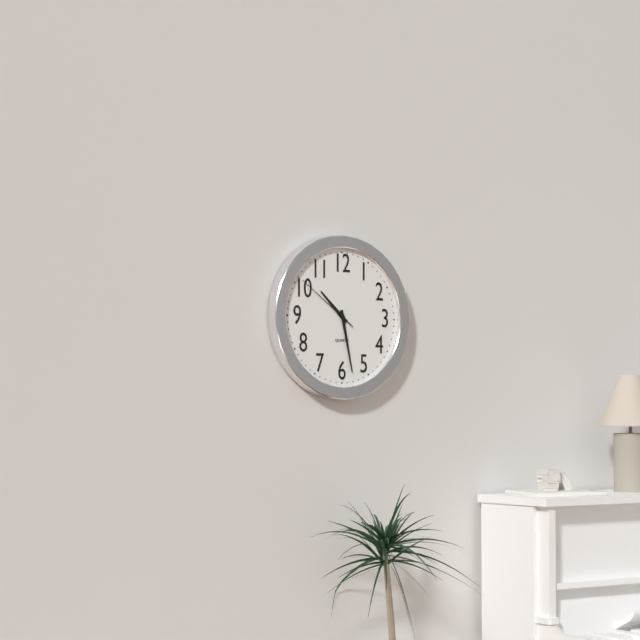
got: 10h28m51s
